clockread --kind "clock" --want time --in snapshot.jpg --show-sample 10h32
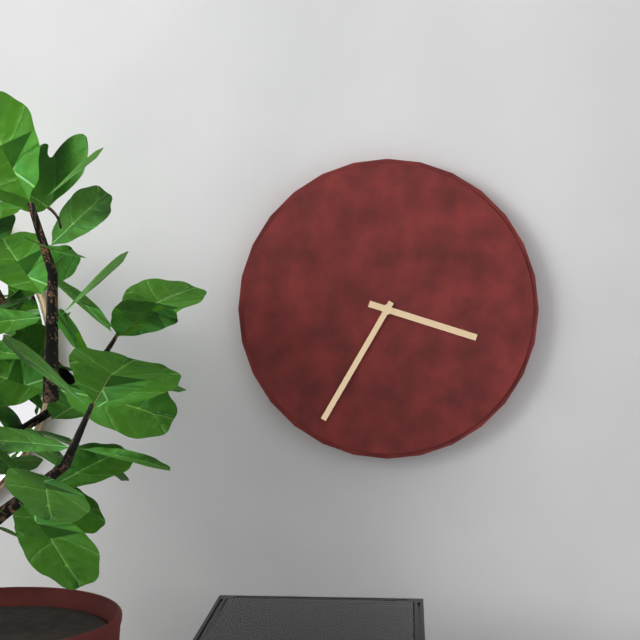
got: 3h35
